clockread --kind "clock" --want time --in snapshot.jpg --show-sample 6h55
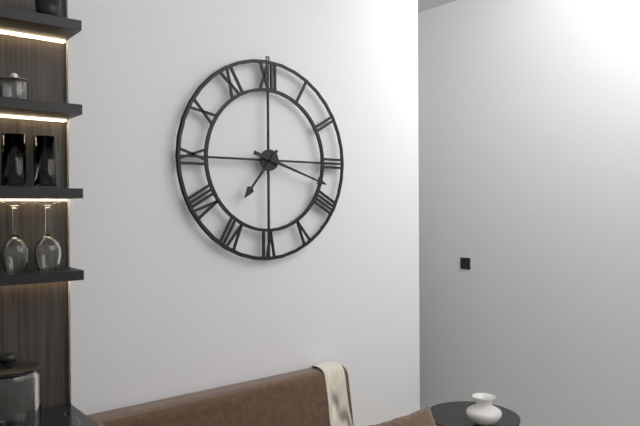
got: 7h18
